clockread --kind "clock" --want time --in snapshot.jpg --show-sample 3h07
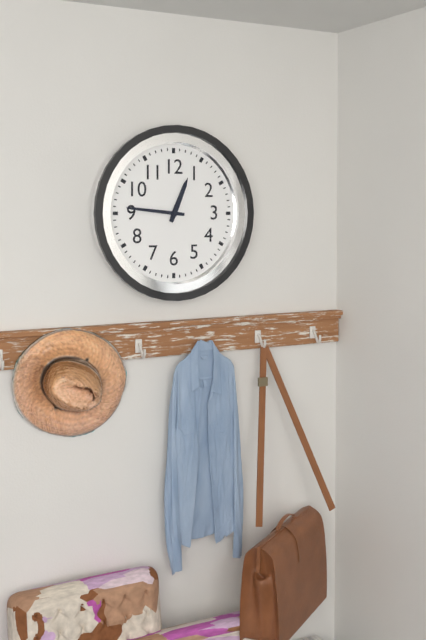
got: 12h46
